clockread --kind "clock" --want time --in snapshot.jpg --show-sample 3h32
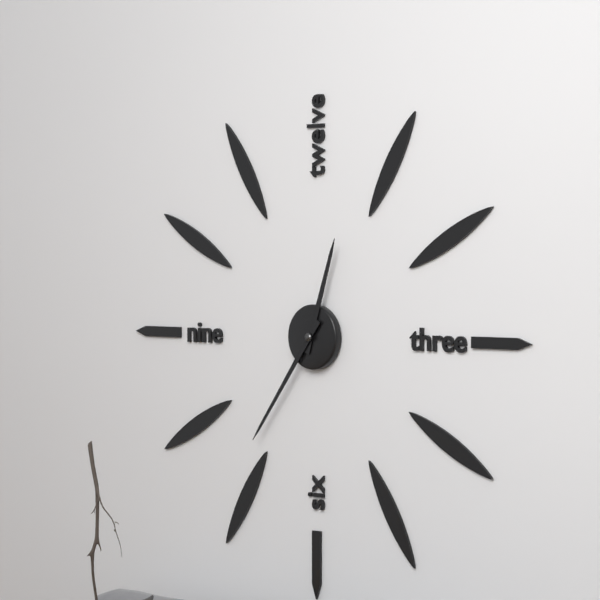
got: 12h36
